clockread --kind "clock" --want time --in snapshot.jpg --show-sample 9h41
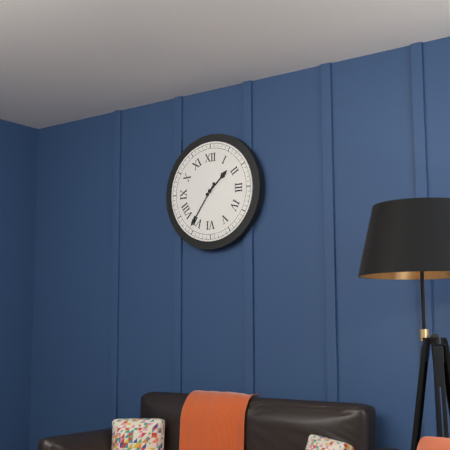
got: 1h36
